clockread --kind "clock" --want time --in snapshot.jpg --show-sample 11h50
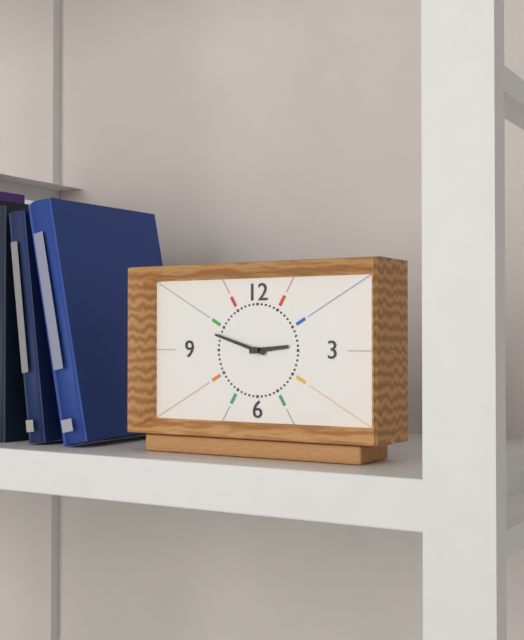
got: 2h48
